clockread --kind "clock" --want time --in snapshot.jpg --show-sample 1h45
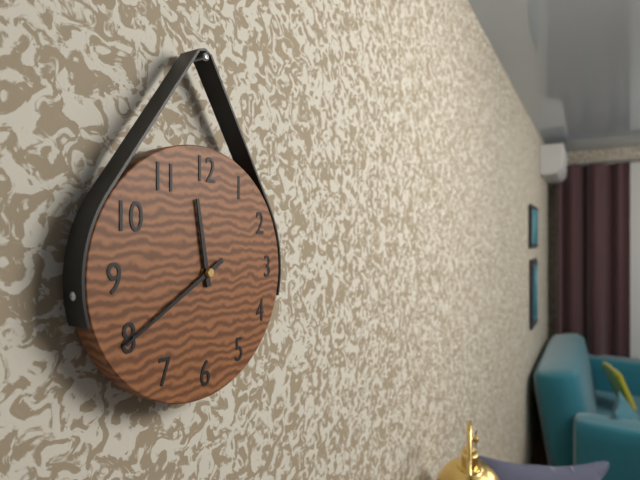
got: 11h40
